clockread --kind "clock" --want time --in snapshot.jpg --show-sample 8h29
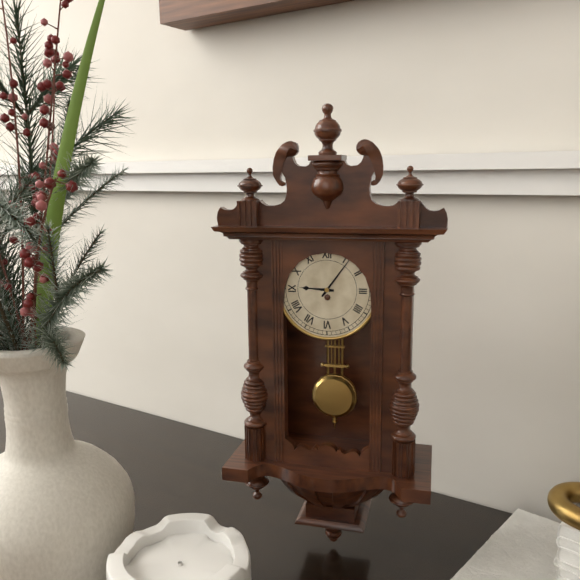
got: 9h06
